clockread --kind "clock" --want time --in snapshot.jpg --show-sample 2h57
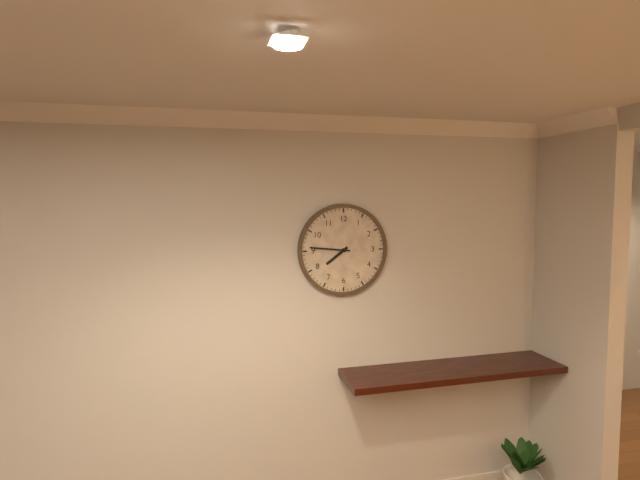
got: 7h46
